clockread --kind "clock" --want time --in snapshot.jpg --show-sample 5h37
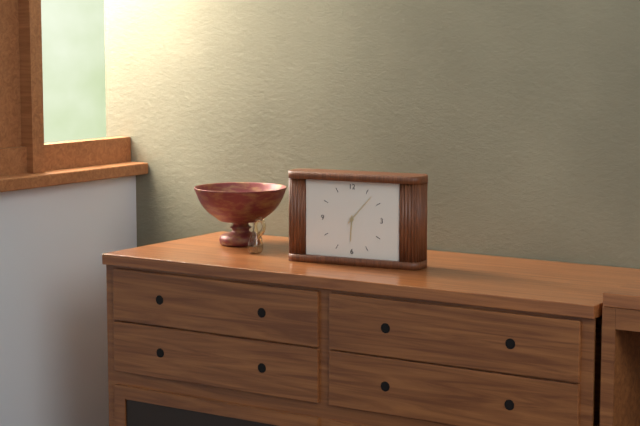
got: 6h07
